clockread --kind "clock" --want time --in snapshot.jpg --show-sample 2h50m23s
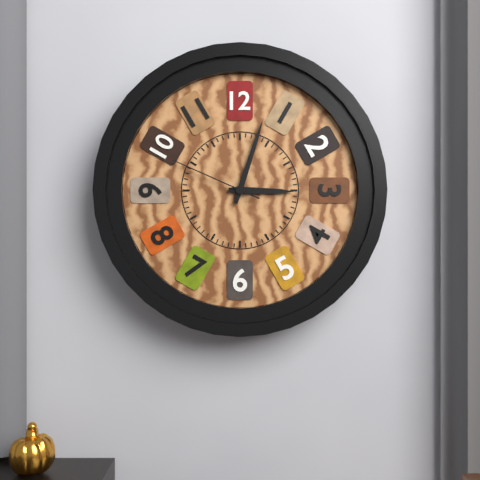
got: 3h03m49s
